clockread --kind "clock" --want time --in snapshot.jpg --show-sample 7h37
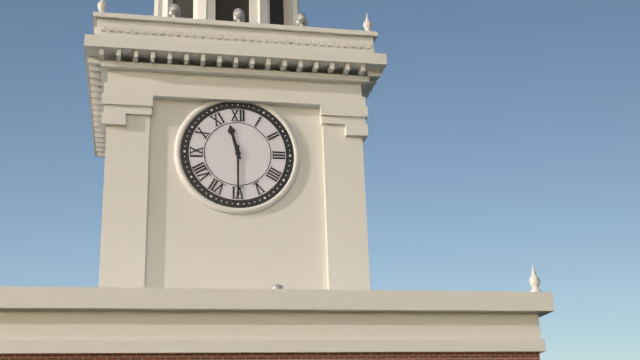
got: 11h30
